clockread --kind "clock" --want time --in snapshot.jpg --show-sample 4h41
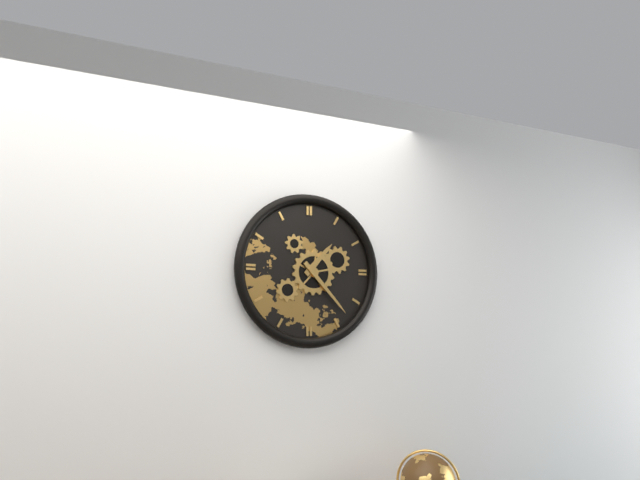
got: 1h23
